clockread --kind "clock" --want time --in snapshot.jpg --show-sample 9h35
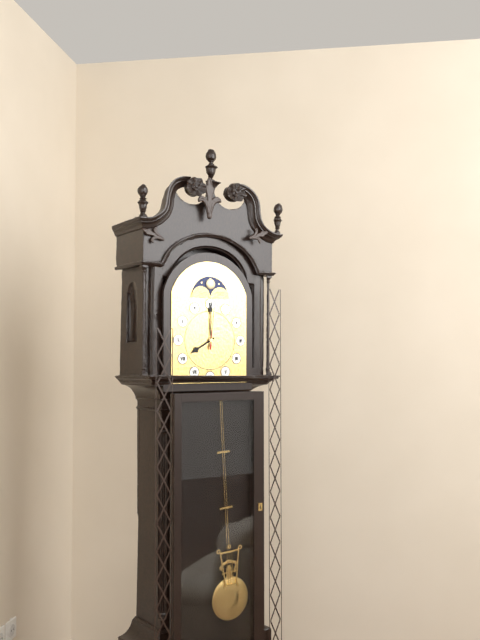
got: 8h00
